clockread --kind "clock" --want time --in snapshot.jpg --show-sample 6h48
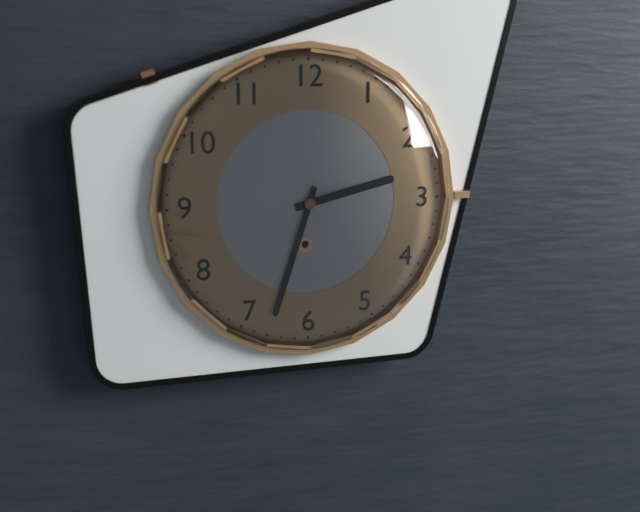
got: 2h33
